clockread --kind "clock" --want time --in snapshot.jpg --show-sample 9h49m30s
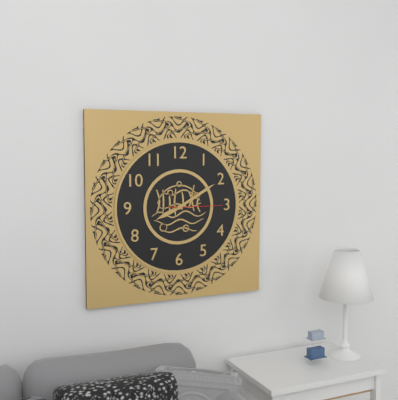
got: 8h10m15s
